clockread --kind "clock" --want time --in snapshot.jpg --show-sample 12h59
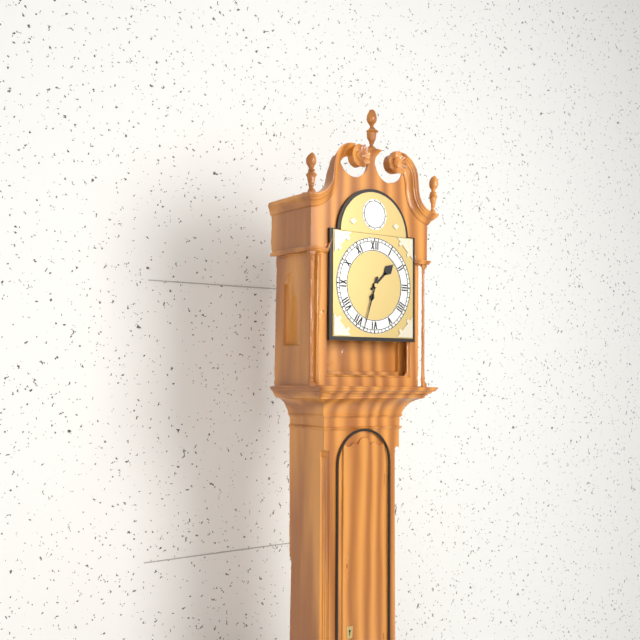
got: 1h33
